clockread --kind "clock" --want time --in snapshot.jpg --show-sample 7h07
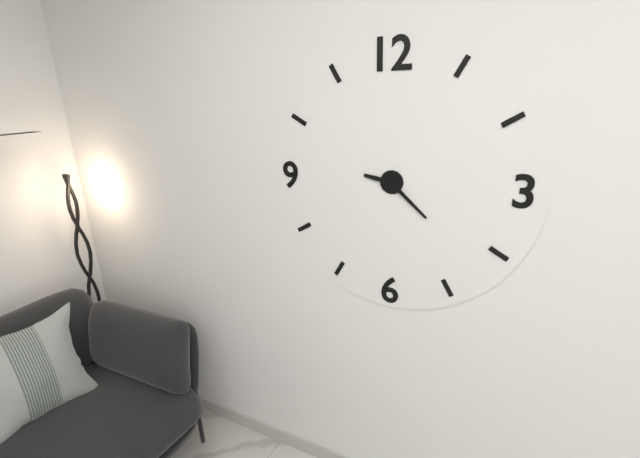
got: 9h22
